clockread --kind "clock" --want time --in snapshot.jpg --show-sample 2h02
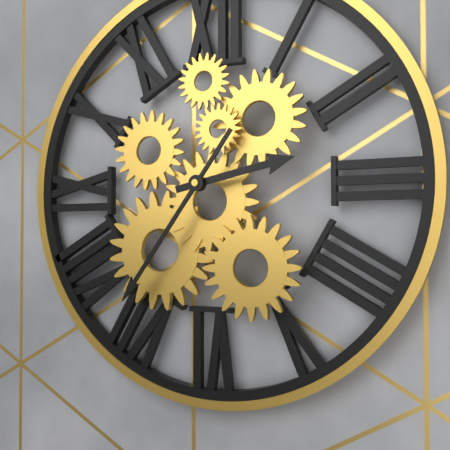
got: 2h36
